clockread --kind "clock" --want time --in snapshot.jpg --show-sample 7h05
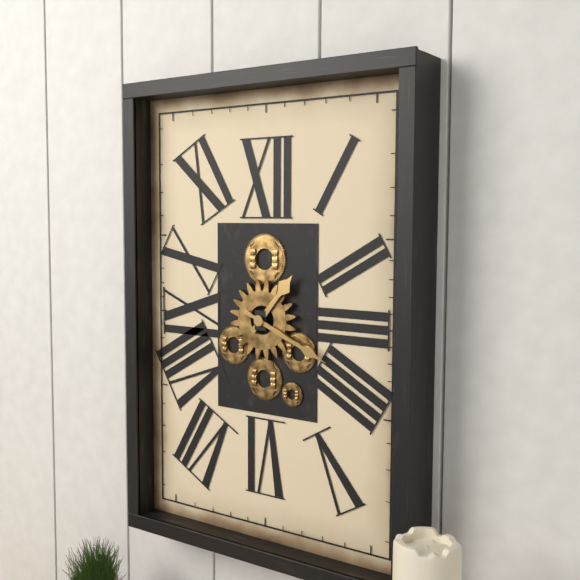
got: 1h19
